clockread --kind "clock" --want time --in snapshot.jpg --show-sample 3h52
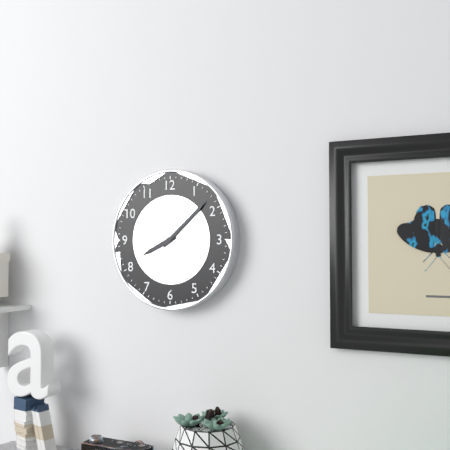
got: 8h08
